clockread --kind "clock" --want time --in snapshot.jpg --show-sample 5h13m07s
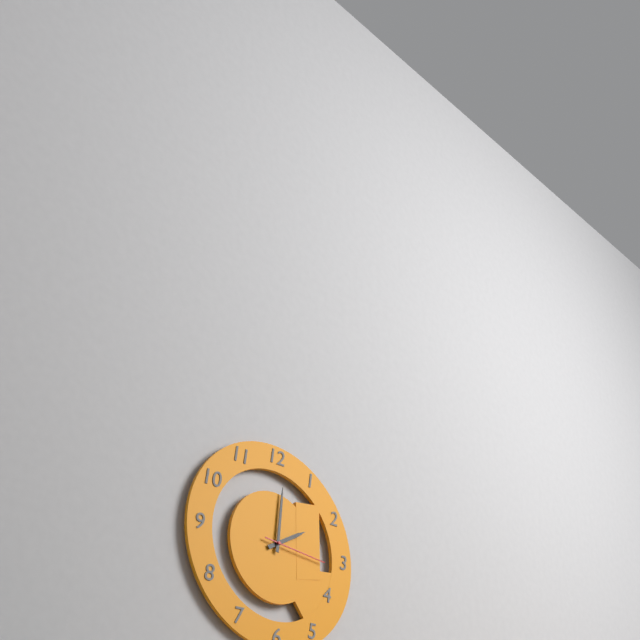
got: 2h01m16s
